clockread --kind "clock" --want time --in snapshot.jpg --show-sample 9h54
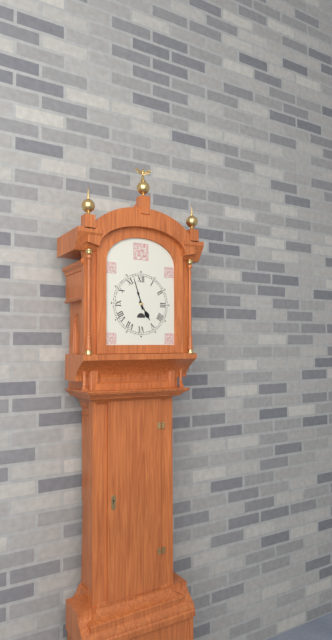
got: 4h57
